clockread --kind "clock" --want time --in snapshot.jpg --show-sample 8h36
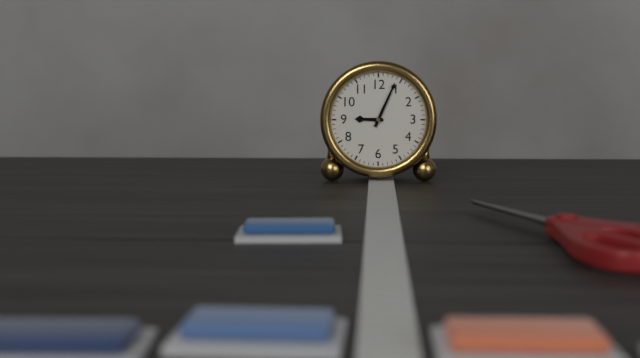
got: 9h04
